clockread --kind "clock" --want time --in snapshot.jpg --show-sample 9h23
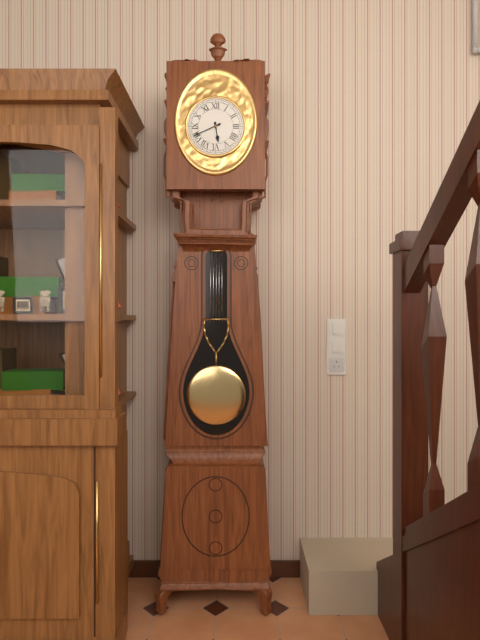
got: 5h41
